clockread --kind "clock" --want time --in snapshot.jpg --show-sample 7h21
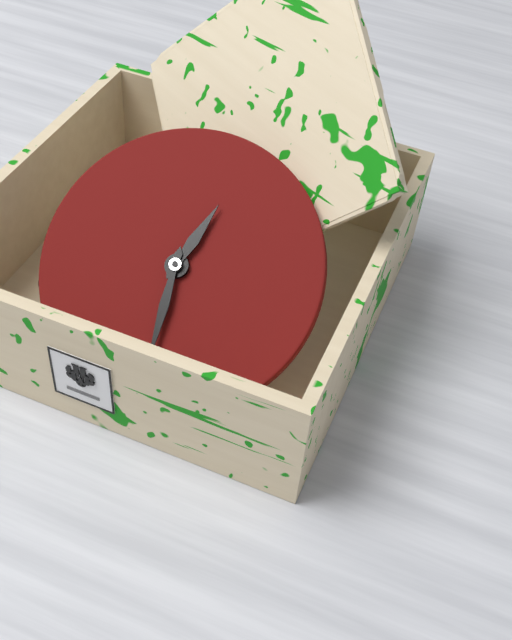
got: 12h29
